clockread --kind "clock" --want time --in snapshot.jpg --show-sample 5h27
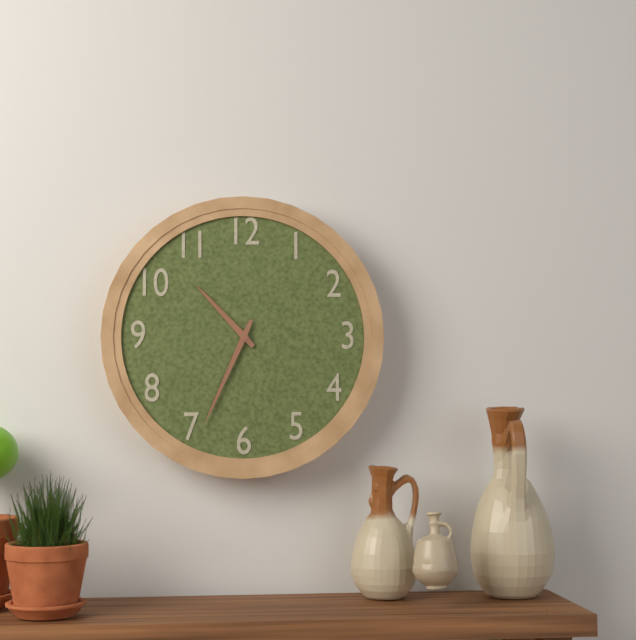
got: 10h34
